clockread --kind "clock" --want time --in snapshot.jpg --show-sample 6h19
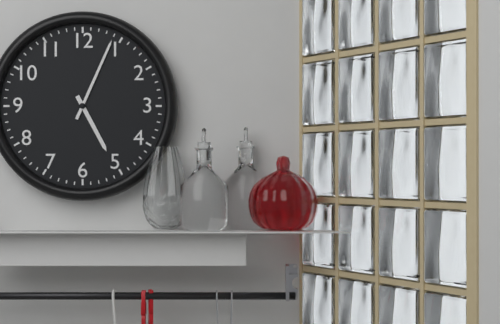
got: 5h04
